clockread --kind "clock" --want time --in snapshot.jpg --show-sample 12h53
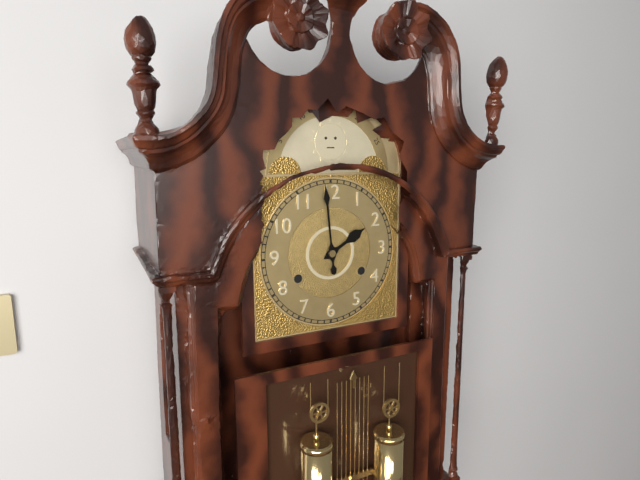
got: 1h59
